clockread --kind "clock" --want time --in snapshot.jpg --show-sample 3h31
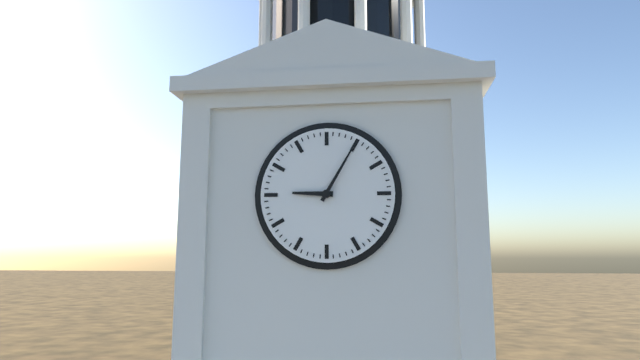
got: 9h05
